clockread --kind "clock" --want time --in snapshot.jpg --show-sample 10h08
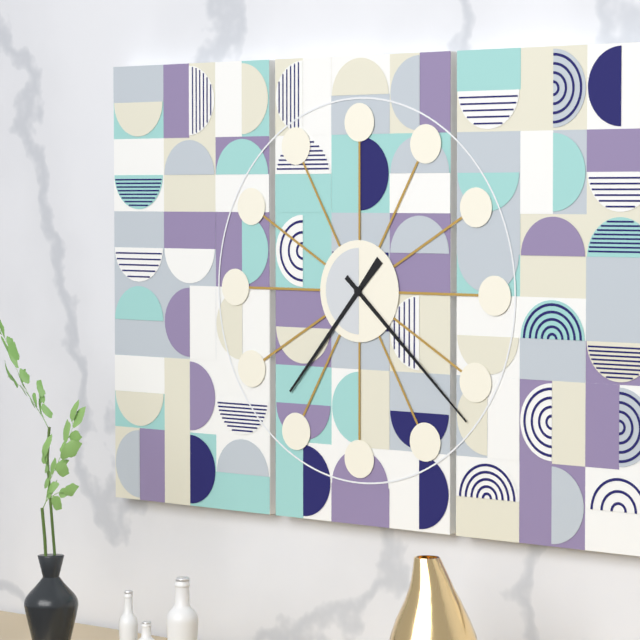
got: 7h22
